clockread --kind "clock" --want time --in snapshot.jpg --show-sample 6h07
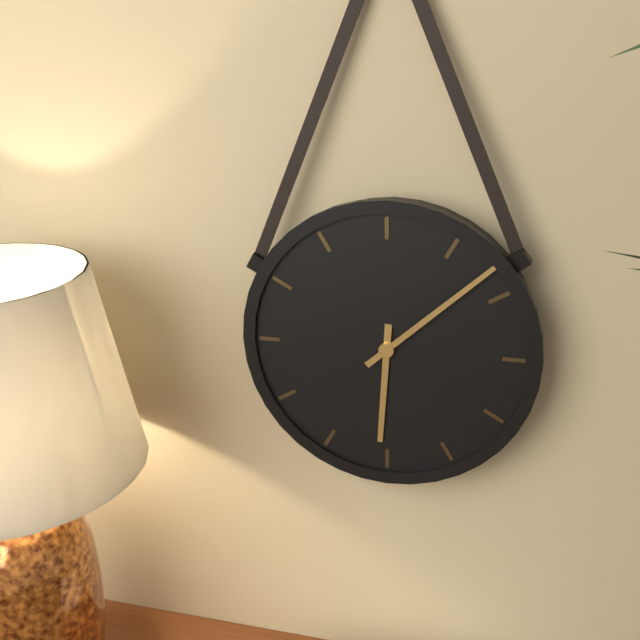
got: 6h08
